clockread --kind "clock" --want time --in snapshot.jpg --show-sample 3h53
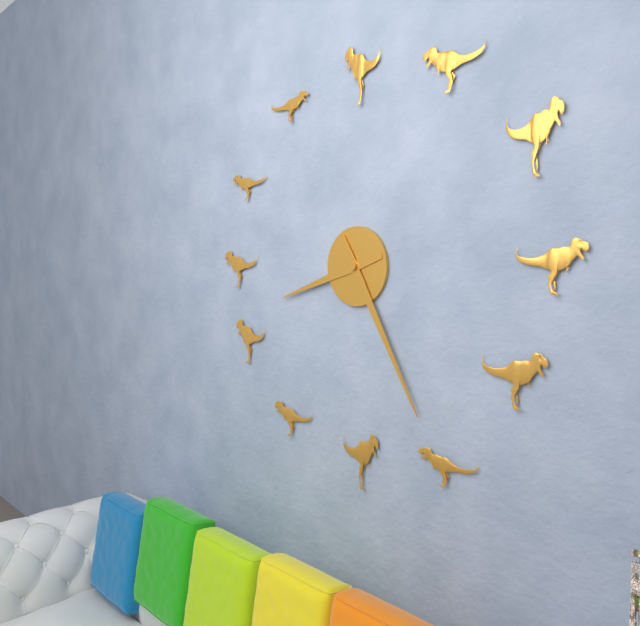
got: 8h25
